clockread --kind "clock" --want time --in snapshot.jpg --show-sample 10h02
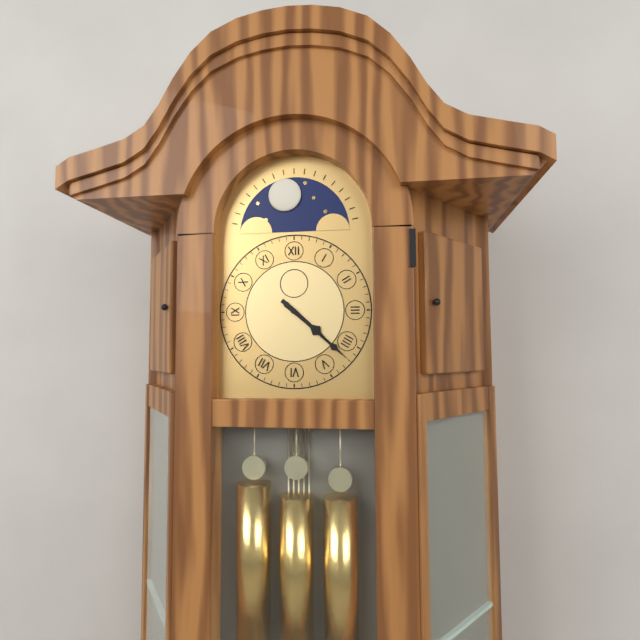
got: 4h22
